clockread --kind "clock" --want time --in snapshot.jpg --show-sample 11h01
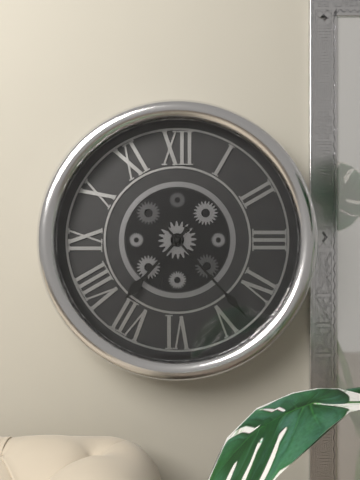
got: 7h23
